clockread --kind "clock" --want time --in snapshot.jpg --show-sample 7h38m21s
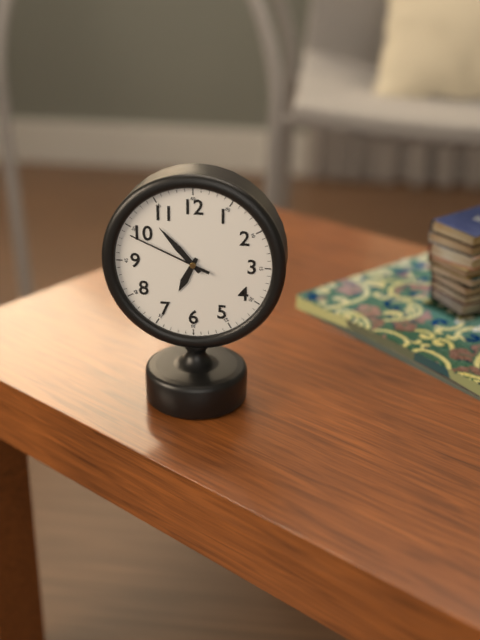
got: 6h53m49s
